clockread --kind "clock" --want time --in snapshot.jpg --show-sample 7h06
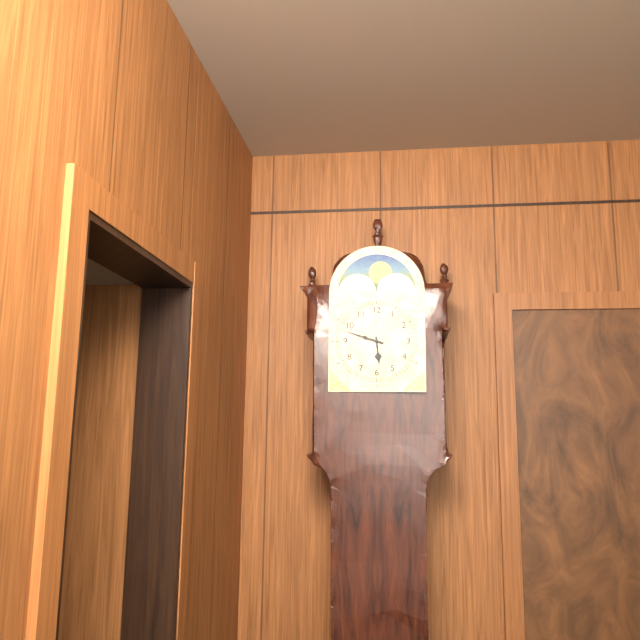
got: 5h48
